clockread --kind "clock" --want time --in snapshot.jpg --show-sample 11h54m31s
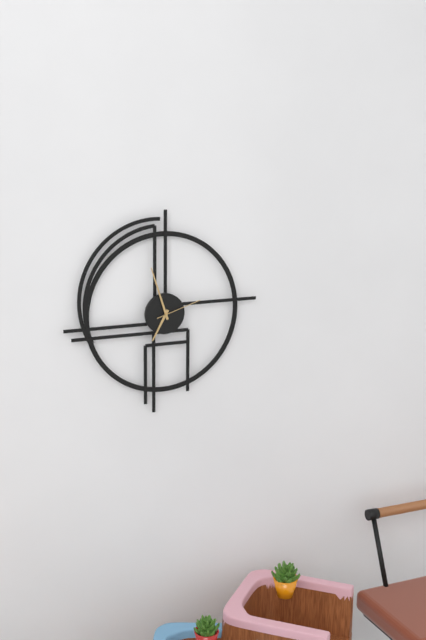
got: 6h57m12s
